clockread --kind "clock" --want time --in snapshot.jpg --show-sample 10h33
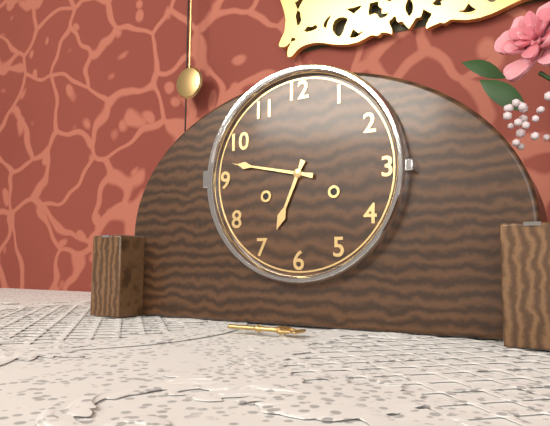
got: 6h47
